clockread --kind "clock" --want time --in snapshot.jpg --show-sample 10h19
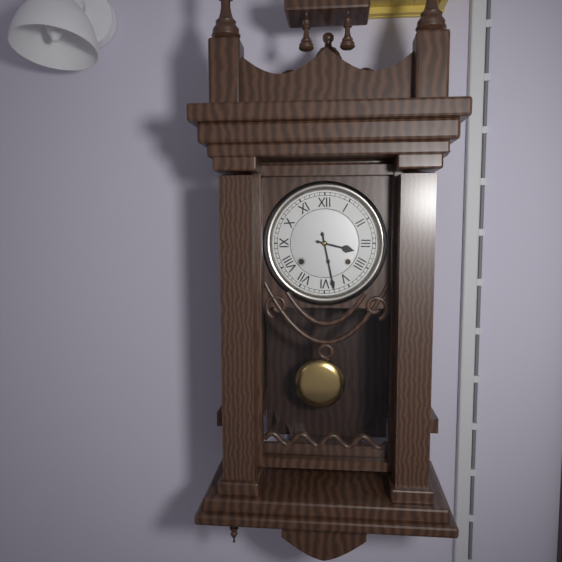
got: 3h28
